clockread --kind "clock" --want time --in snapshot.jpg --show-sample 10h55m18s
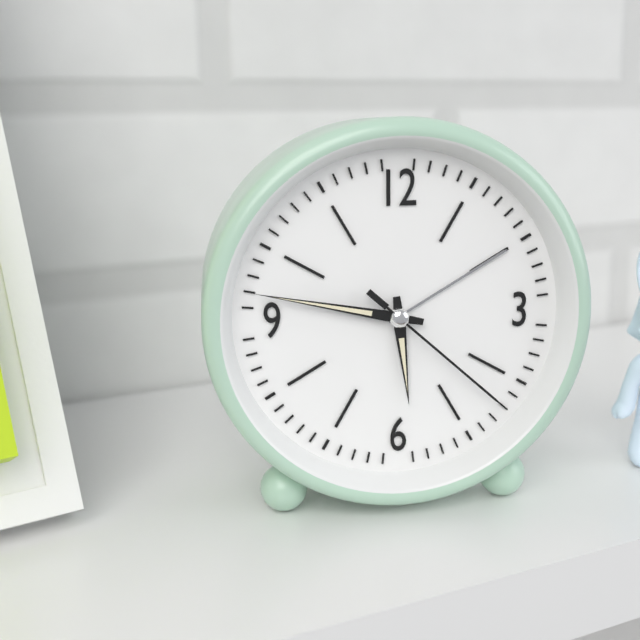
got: 5h47m22s
